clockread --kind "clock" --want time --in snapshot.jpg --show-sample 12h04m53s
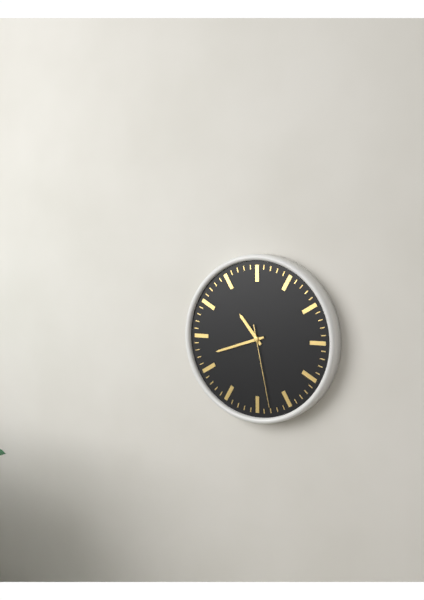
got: 10h42m28s
